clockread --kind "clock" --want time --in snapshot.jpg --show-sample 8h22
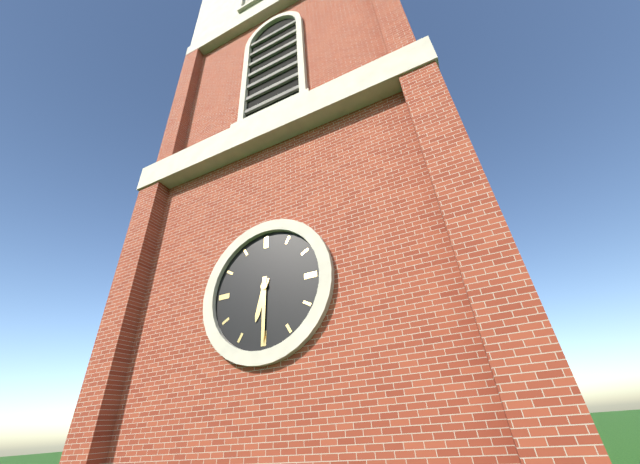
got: 6h30
